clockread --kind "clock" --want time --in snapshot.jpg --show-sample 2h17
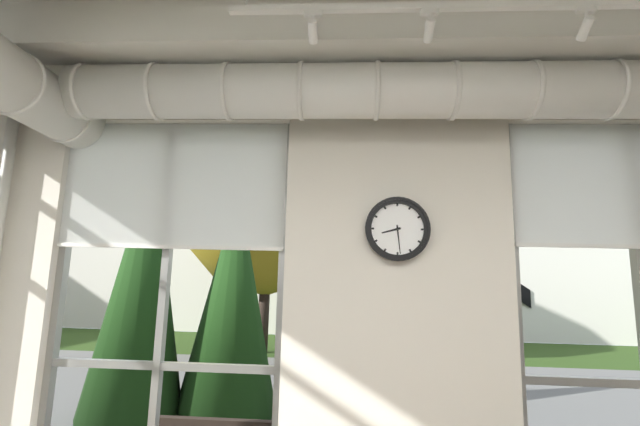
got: 8h29
